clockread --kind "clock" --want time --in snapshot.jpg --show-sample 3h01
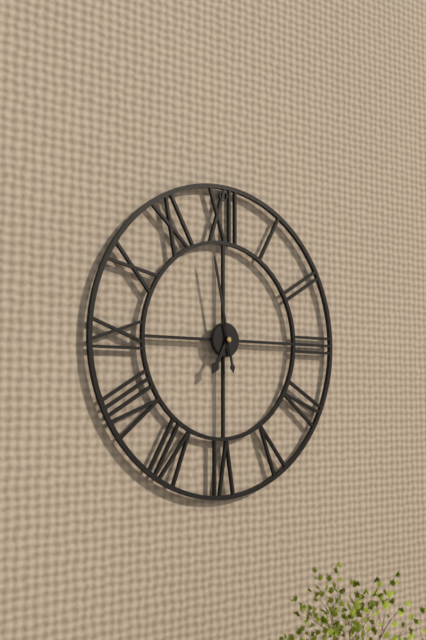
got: 6h58
